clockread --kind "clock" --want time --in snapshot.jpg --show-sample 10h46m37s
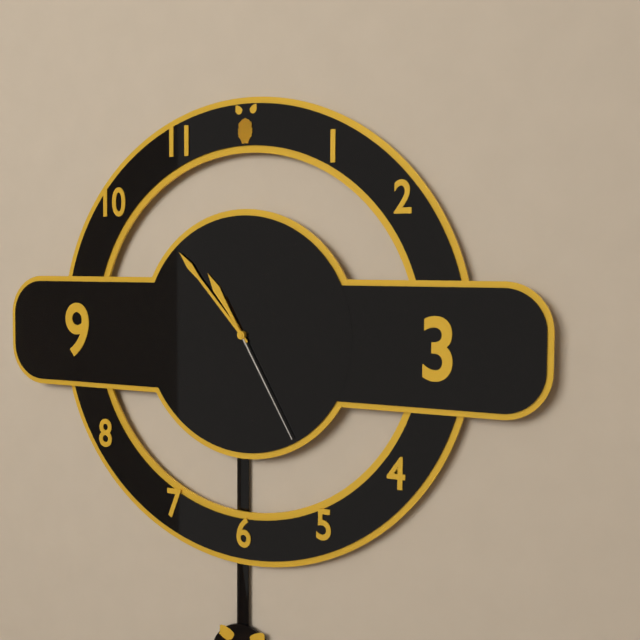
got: 10h53m25s
